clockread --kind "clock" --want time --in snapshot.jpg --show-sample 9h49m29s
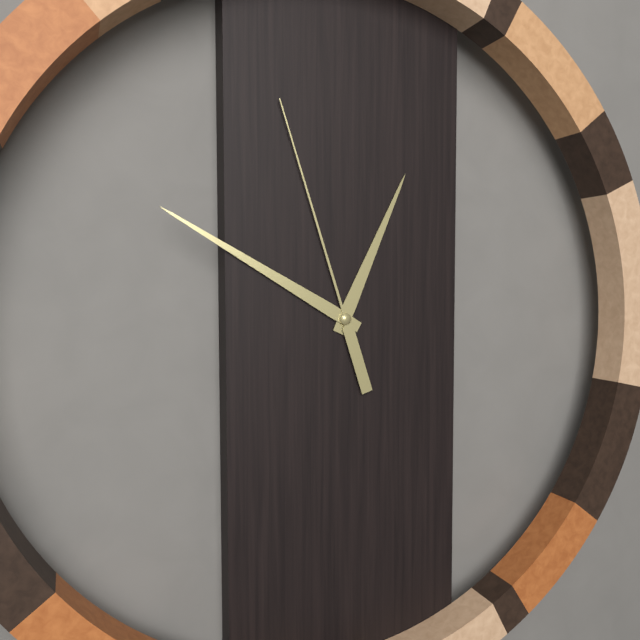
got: 12h50m57s
